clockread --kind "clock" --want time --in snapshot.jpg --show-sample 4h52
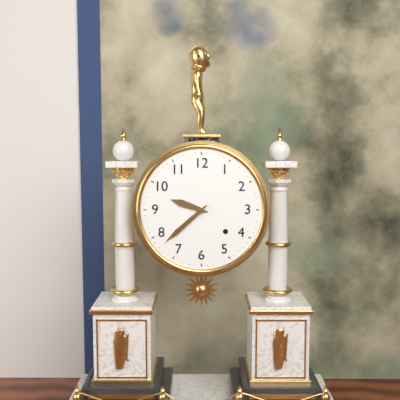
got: 9h38
